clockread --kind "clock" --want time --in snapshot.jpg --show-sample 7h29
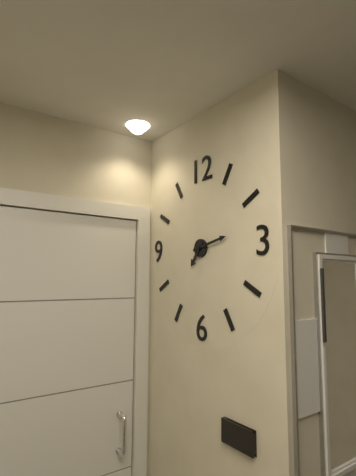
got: 7h13
